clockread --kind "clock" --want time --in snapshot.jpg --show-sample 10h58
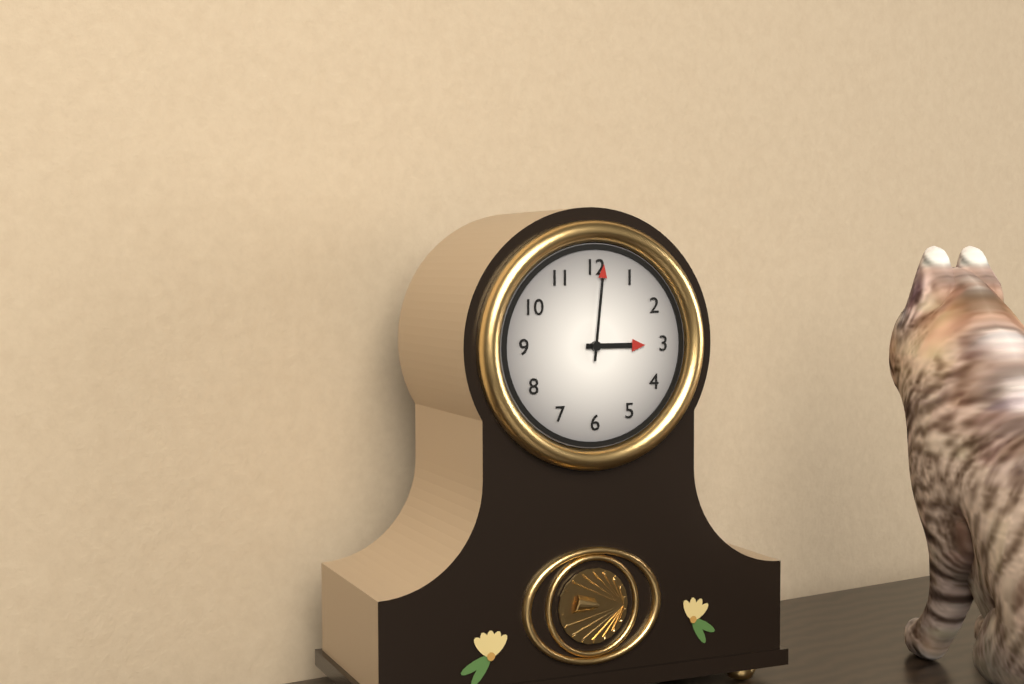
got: 3h01
